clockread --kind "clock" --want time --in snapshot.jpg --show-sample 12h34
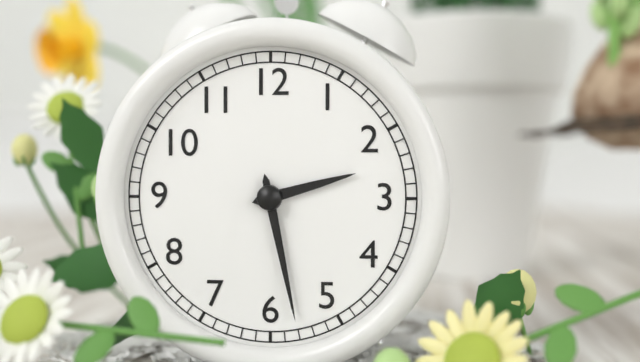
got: 2h28
